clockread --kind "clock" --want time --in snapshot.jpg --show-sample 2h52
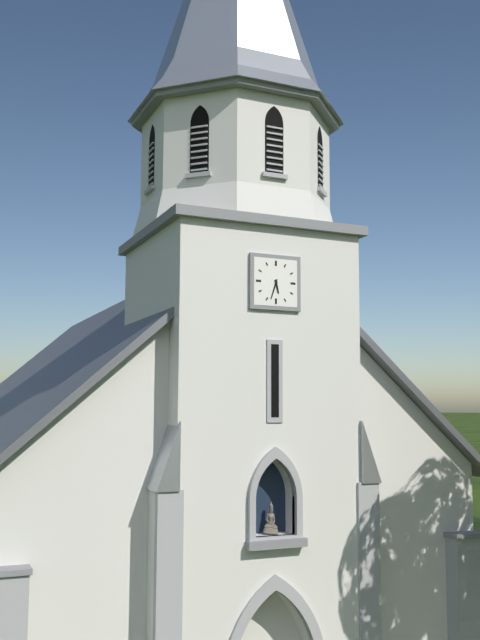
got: 5h33
